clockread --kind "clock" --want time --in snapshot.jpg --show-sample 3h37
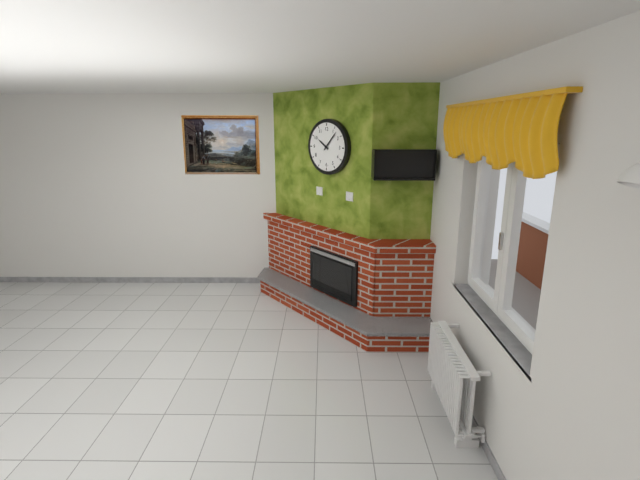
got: 10h07
